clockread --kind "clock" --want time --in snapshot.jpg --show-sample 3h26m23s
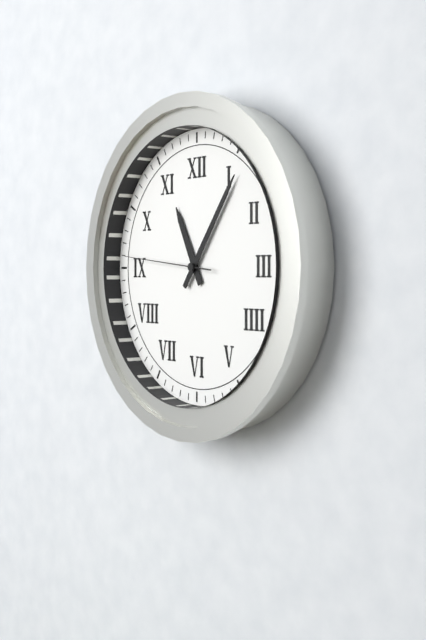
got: 11h06m46s
